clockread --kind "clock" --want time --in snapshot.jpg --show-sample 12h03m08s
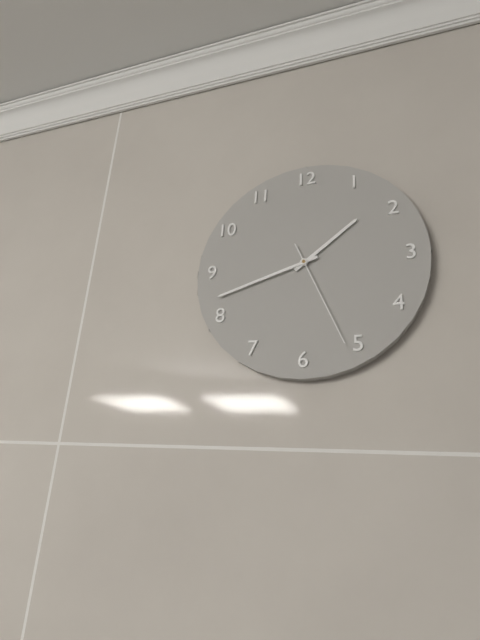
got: 1h42m26s
